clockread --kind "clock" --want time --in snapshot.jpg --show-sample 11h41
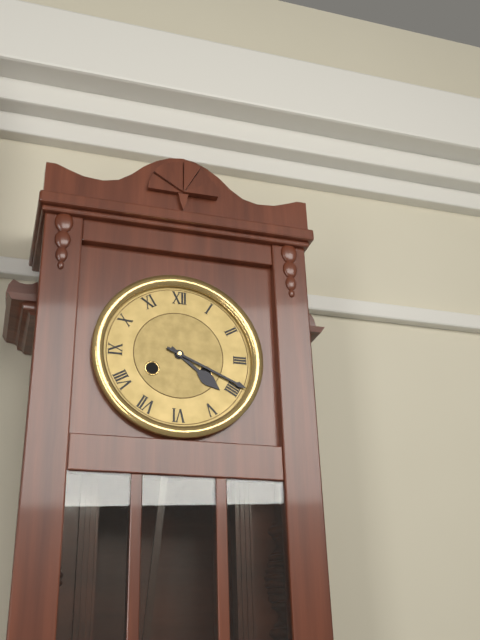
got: 4h19
